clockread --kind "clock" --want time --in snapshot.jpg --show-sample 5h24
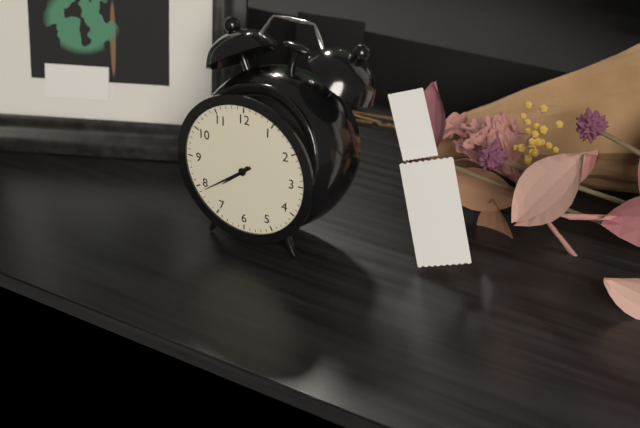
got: 7h39
